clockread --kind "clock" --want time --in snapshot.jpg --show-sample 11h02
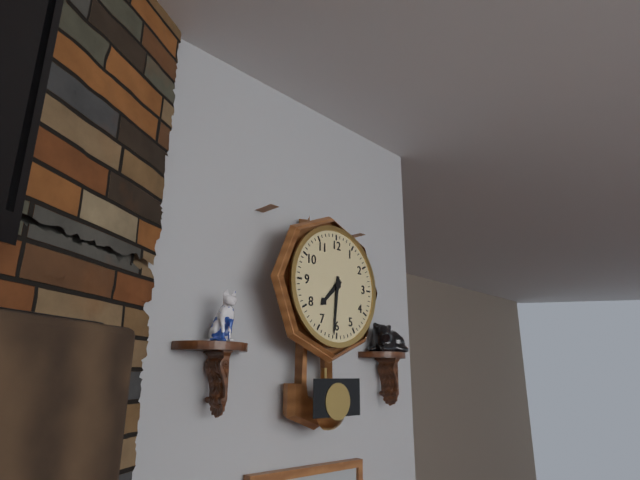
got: 7h31
